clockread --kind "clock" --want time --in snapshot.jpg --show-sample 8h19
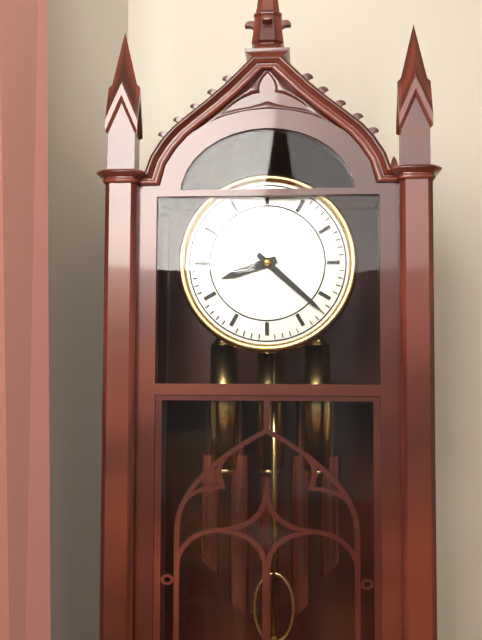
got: 8h22
